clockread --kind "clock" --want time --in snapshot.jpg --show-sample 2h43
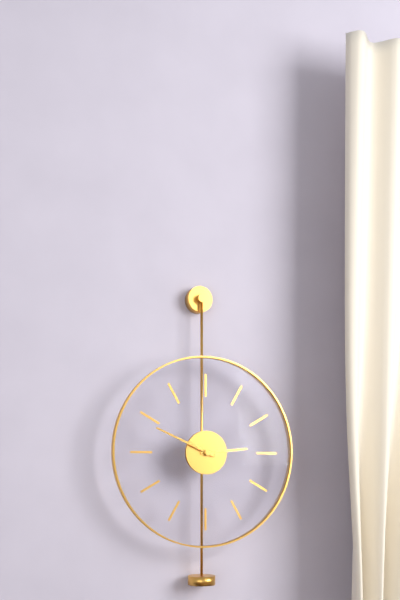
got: 2h49
